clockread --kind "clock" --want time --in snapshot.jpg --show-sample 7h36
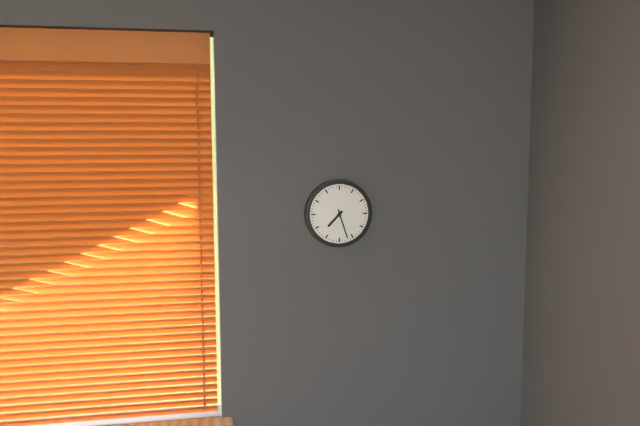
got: 7h27
